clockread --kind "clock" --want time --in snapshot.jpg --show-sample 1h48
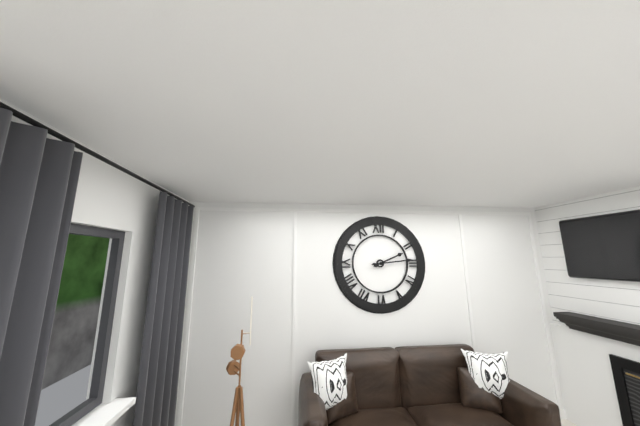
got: 2h14
